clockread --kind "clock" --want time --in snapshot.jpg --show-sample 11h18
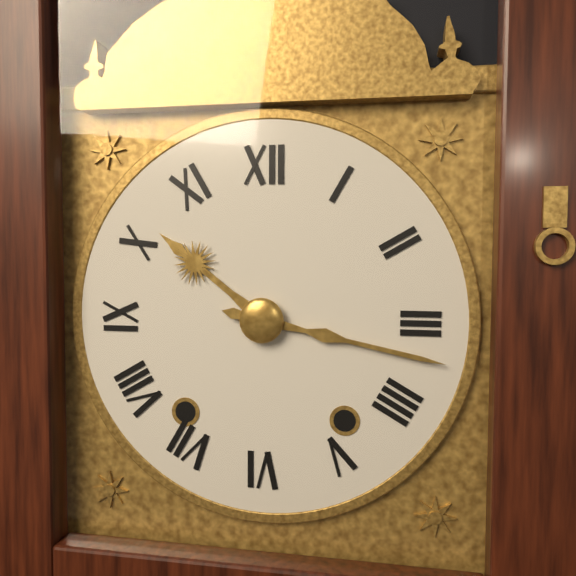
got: 10h17
